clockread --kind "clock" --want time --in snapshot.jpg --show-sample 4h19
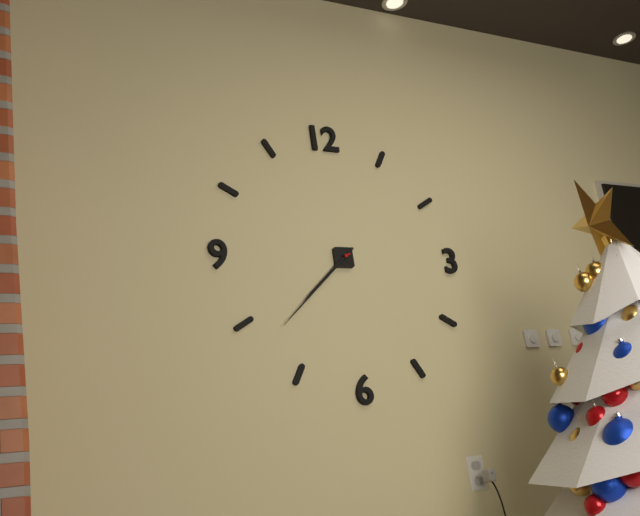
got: 7h38
